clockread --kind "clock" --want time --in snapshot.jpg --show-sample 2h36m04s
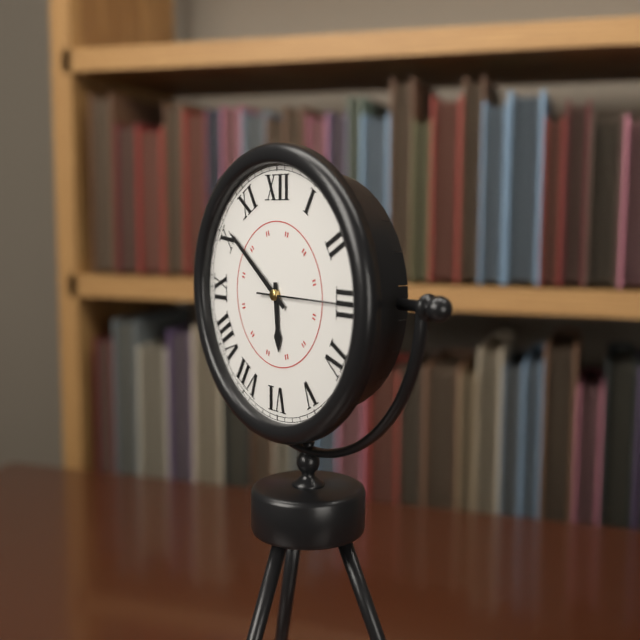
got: 5h51m15s
